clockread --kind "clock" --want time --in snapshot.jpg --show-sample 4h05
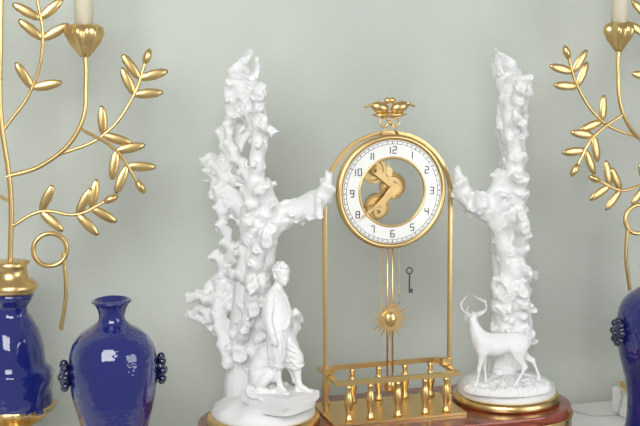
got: 11h39
